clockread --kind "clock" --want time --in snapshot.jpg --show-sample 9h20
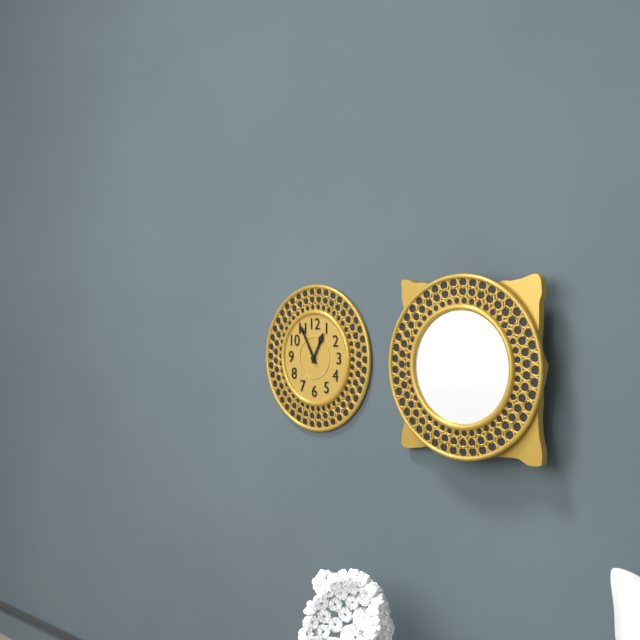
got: 12h55
